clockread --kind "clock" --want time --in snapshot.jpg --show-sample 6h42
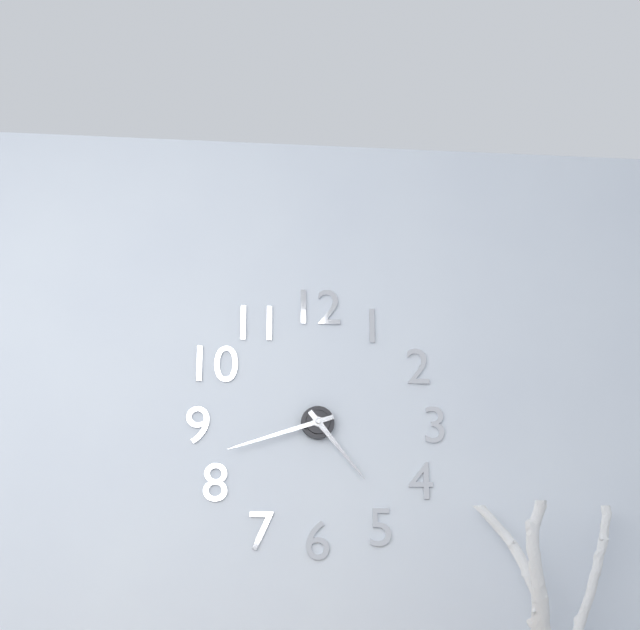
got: 4h42
